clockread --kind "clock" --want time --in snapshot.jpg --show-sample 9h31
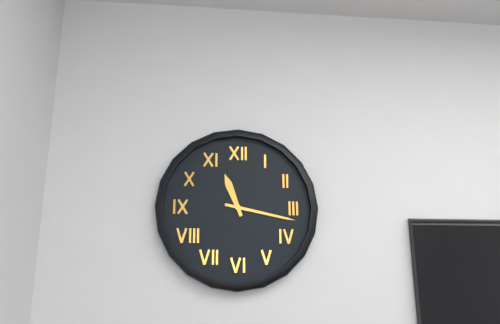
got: 11h17
